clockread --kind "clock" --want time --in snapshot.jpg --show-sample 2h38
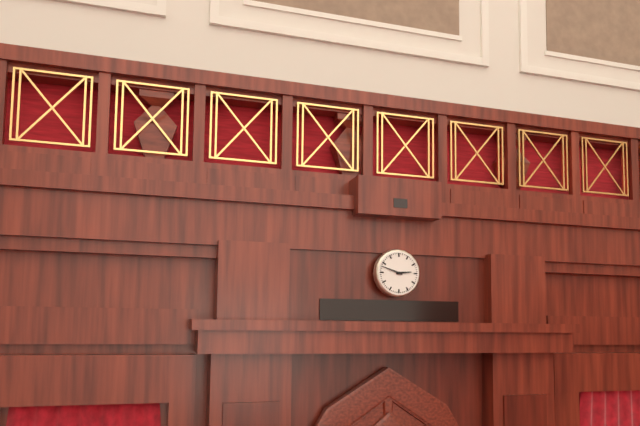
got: 2h48
